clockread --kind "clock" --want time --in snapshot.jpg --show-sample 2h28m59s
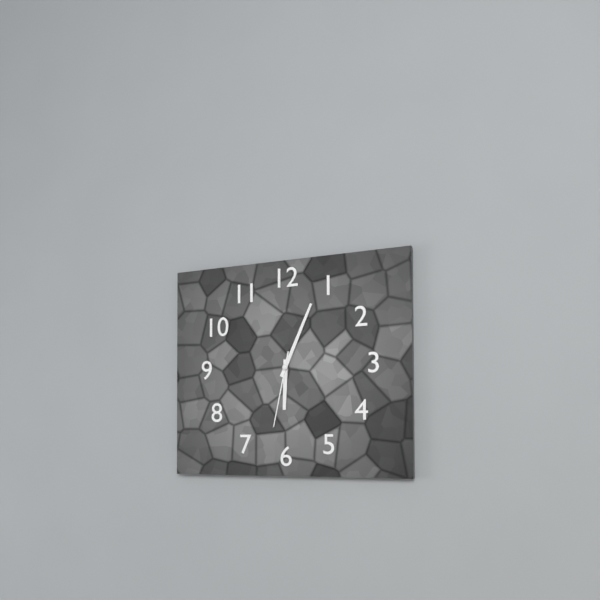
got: 6h04m32s
